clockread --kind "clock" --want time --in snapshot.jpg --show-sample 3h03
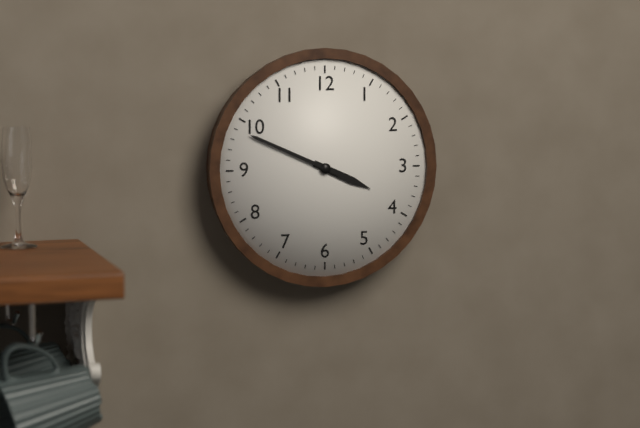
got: 3h49
